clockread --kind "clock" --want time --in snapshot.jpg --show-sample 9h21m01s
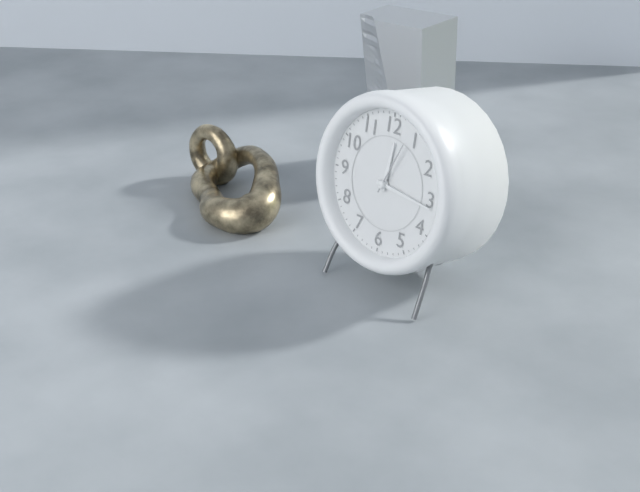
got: 12h16m04s
